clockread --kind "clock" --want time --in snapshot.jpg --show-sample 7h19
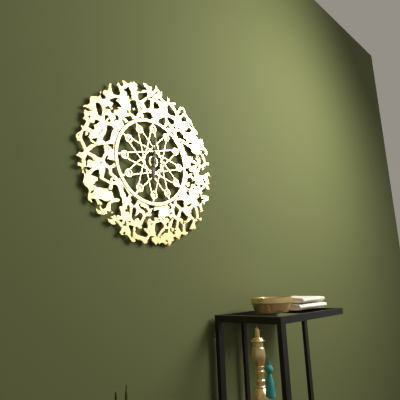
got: 6h01
